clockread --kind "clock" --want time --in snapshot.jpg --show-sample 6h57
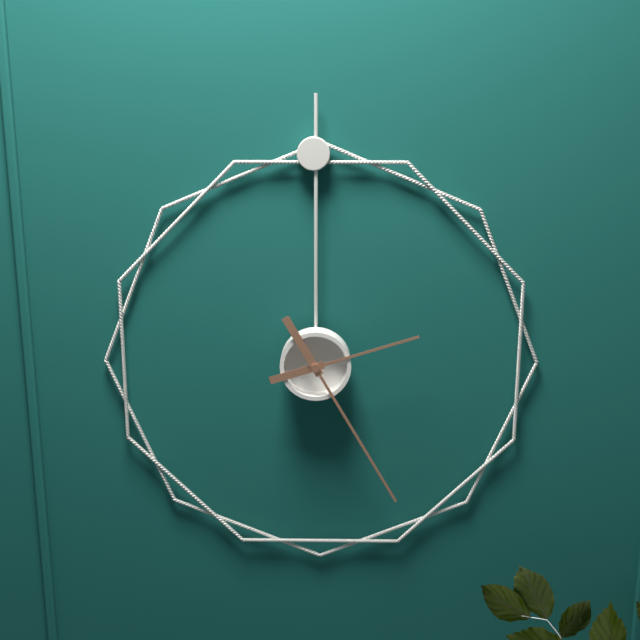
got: 2h25
